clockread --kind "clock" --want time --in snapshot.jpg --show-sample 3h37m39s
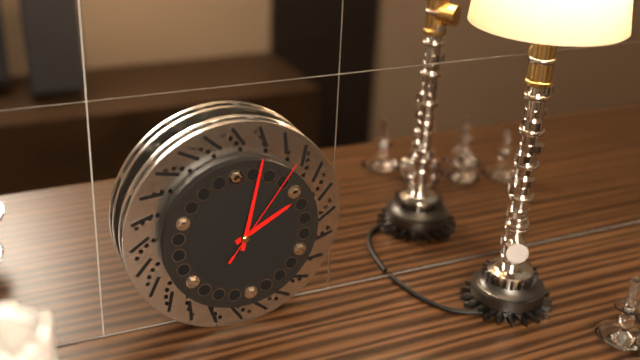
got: 2h02m06s
